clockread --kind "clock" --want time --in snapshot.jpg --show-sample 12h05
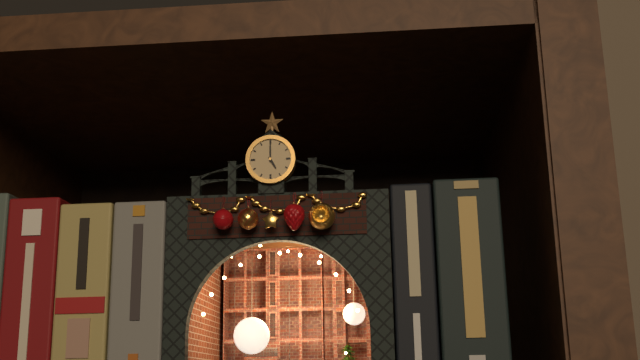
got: 5h00
